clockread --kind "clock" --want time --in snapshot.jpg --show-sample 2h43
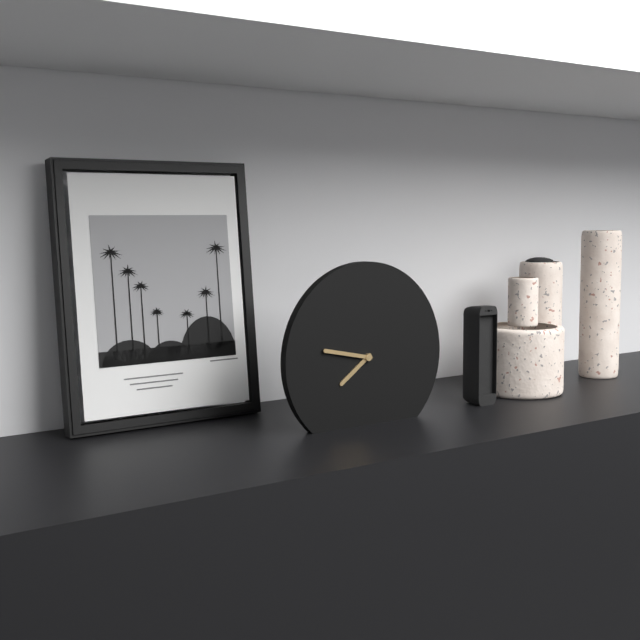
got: 7h47
